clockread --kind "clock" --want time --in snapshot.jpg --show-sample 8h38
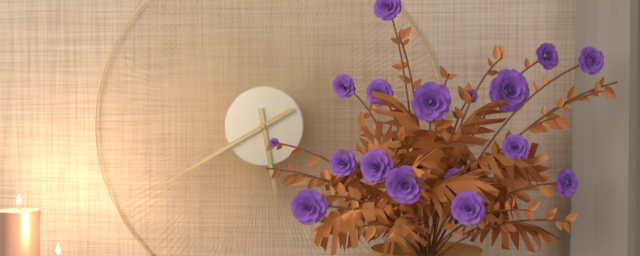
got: 5h40
